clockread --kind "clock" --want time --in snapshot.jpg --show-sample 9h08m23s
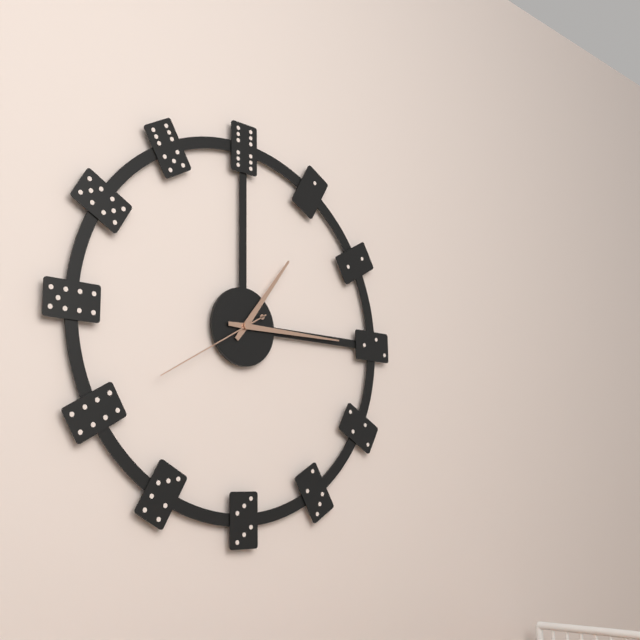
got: 1h15m40s
